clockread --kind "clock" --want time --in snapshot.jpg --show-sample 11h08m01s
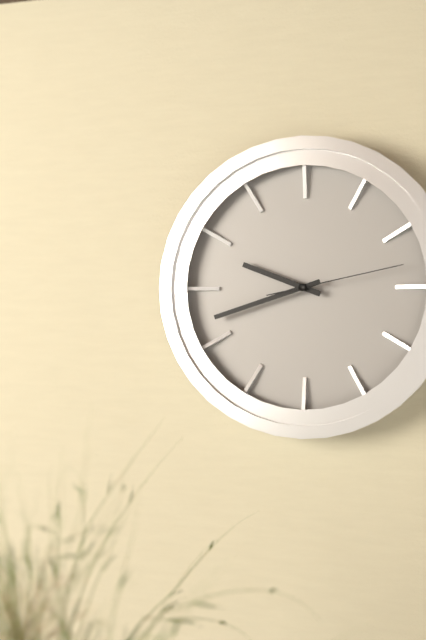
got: 9h42m13s
